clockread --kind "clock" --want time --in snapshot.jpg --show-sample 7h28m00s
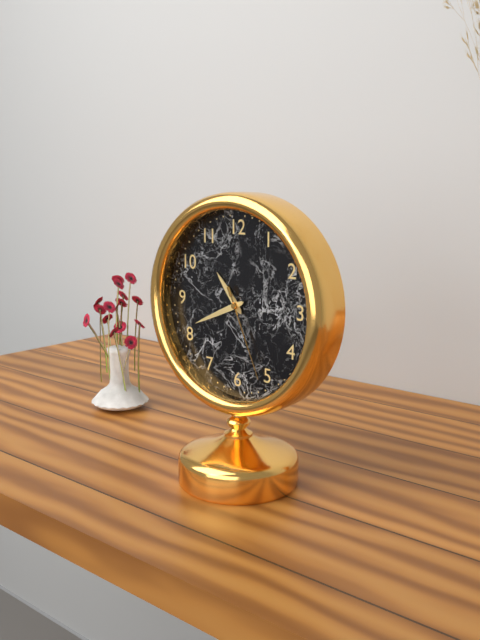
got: 10h41m26s
